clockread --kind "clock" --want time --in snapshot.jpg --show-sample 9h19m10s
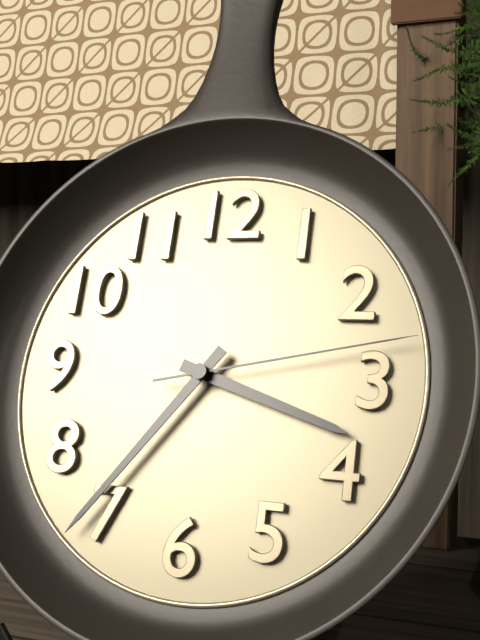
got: 3h36m13s
